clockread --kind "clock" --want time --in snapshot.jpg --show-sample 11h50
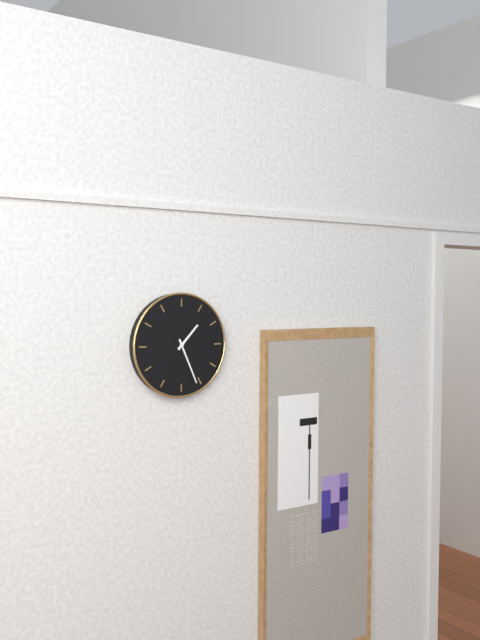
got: 1h26
